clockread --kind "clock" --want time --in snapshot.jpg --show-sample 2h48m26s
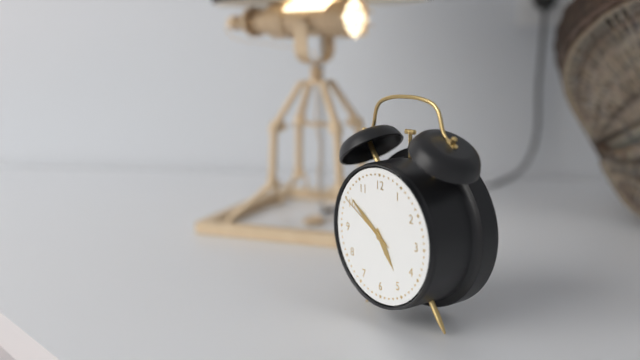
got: 4h51m50s
